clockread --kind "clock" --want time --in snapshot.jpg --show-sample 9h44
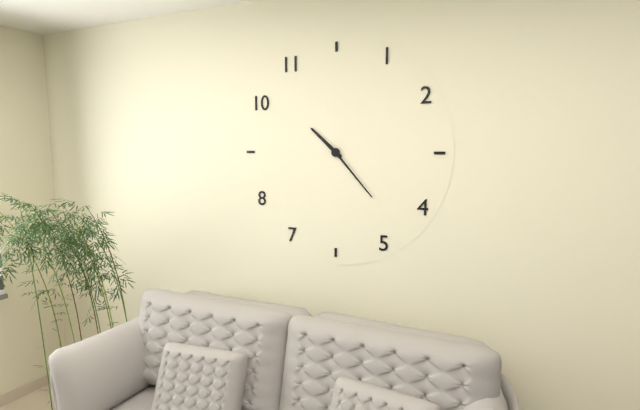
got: 10h23
